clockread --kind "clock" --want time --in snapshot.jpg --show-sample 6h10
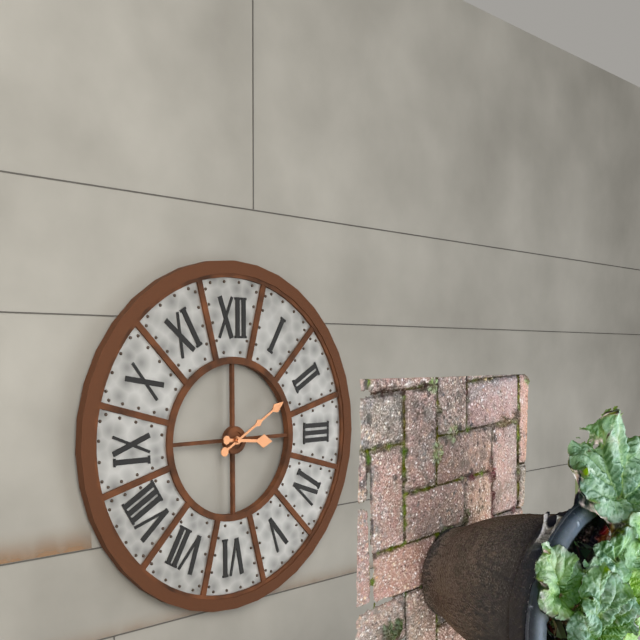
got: 3h10
